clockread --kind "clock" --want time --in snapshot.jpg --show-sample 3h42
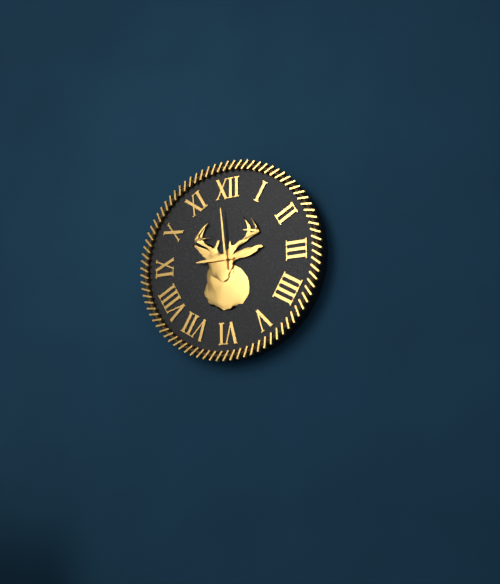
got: 8h59
